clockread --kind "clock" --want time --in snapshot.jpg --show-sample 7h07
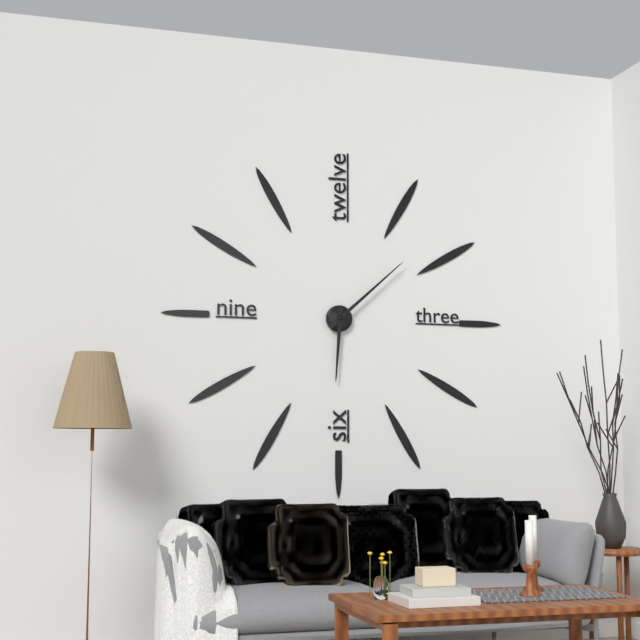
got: 6h08
